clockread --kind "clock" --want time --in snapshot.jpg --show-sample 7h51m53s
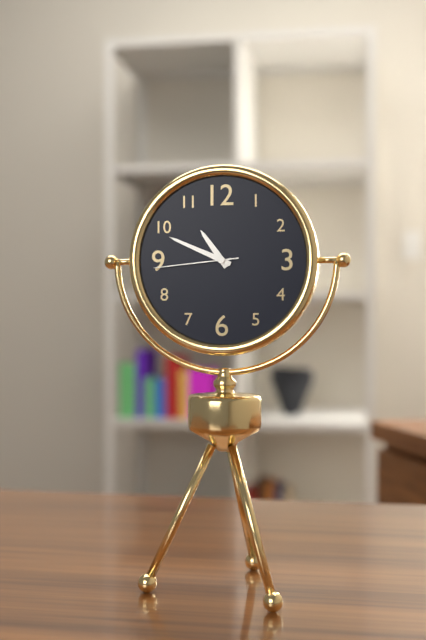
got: 10h49m44s
